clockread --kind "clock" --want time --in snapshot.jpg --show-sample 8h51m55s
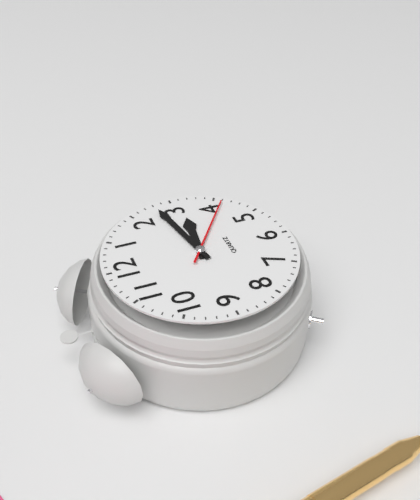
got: 3h13m21s
